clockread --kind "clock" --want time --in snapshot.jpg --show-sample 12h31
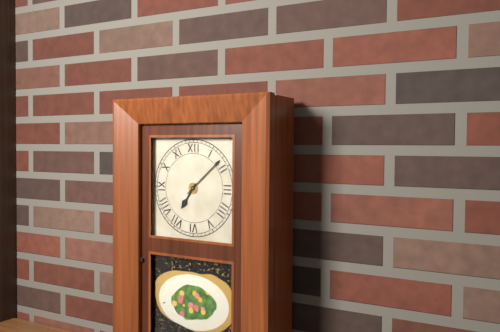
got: 7h08
